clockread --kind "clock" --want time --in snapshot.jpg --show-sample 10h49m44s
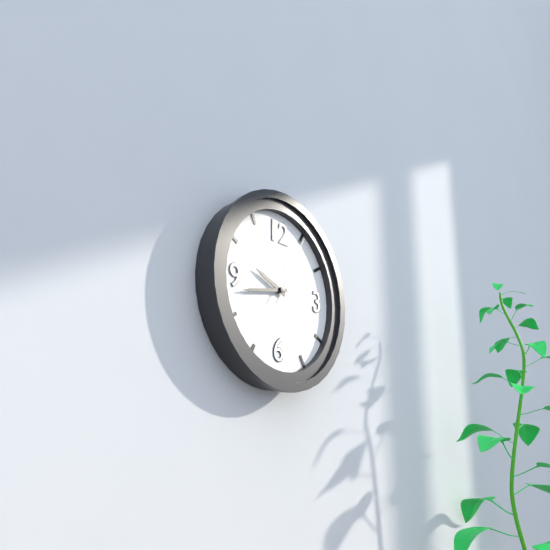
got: 9h43m05s
